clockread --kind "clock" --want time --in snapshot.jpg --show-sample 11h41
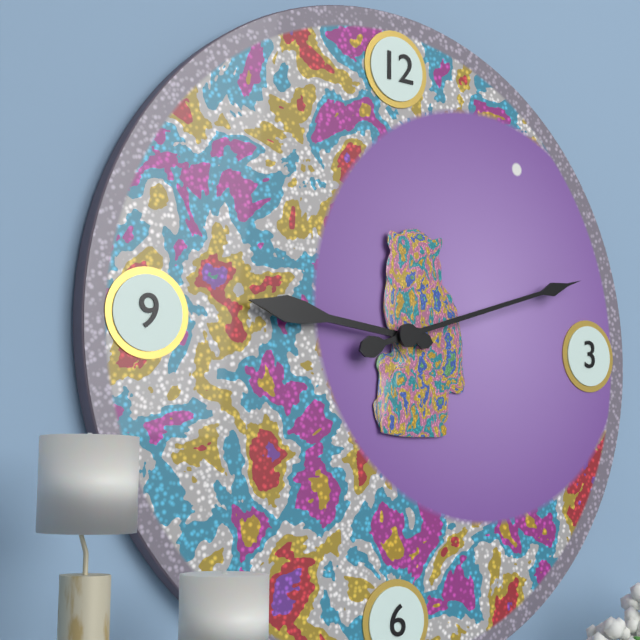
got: 9h12
